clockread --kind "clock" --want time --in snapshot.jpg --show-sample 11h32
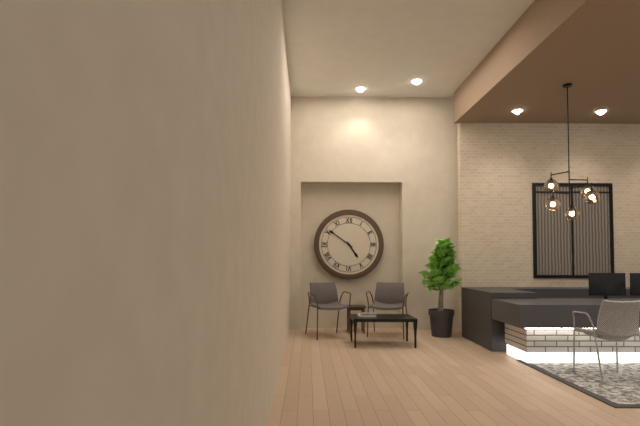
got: 4h51
